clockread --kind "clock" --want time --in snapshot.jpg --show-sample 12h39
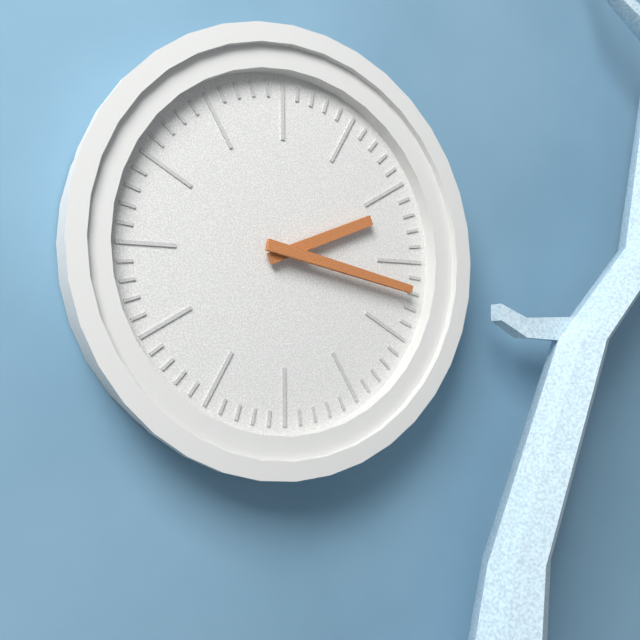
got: 2h17
